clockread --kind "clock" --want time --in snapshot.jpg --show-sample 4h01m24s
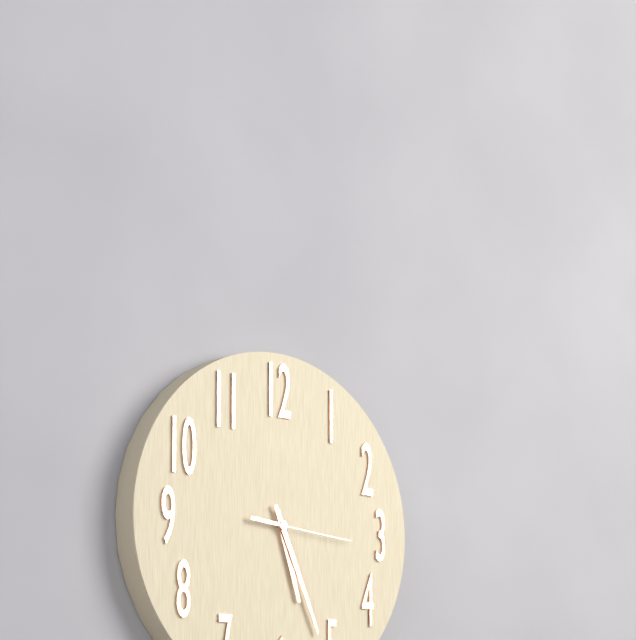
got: 5h26m16s
